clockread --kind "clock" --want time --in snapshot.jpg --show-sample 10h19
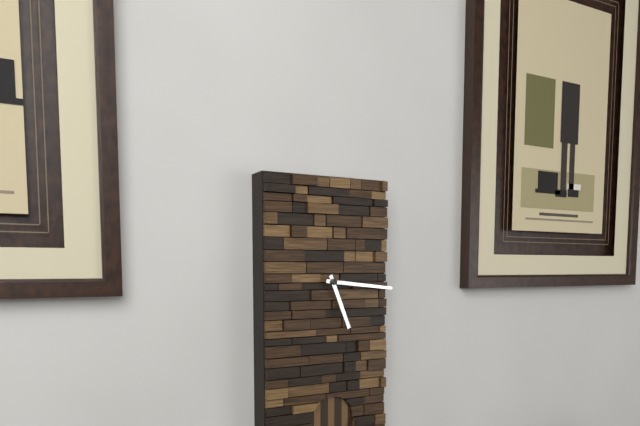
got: 5h16
